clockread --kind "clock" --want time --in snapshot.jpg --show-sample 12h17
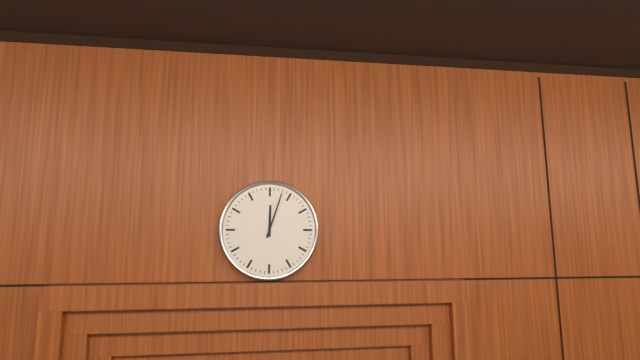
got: 12h03
